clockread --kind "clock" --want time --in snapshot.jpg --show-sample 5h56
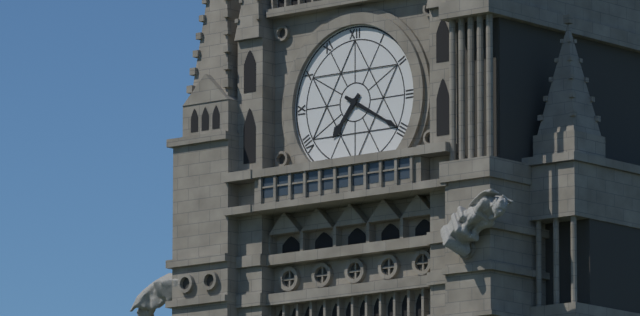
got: 7h20
